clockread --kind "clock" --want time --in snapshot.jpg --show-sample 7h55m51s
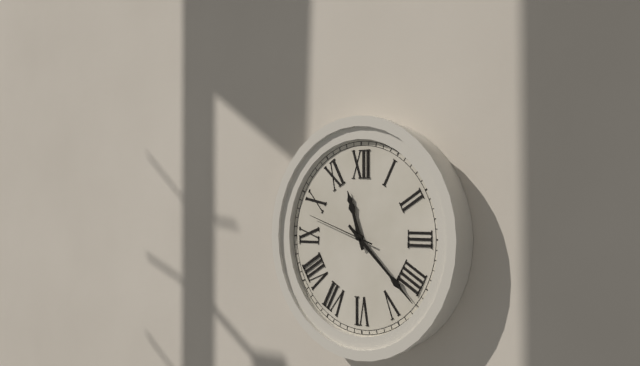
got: 11h22m48s
